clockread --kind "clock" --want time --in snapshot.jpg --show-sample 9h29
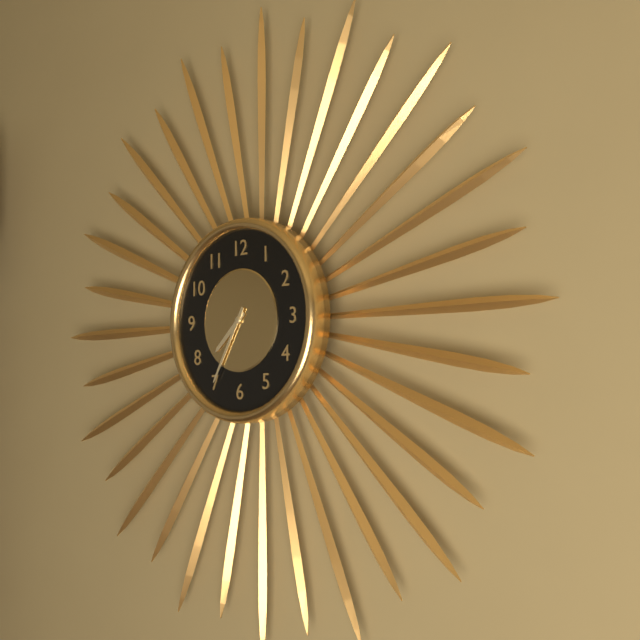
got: 7h35
